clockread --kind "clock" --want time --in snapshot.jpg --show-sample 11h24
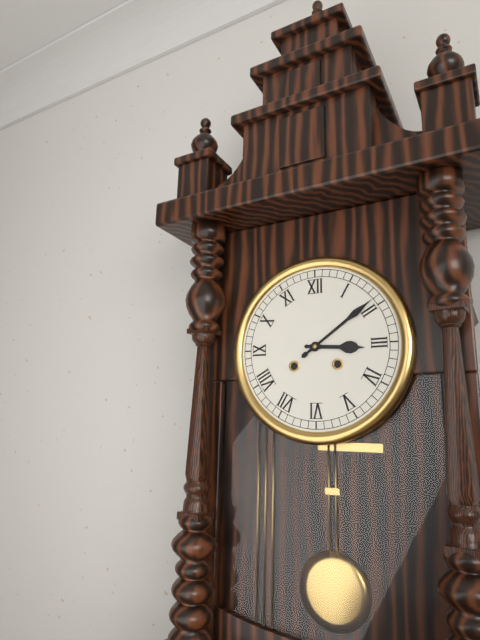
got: 3h09
